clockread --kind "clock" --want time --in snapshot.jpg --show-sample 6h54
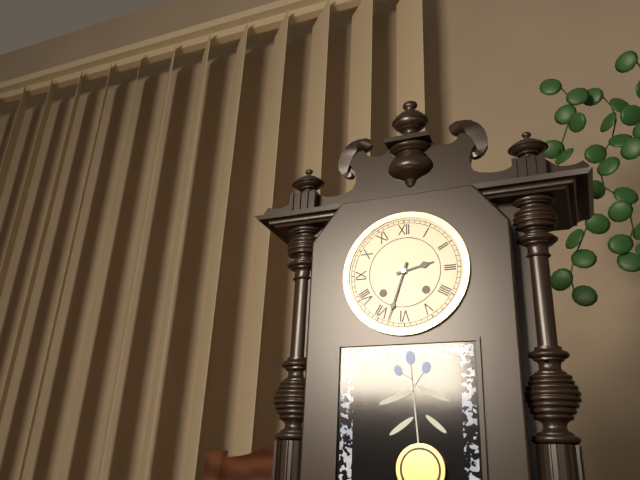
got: 2h33
